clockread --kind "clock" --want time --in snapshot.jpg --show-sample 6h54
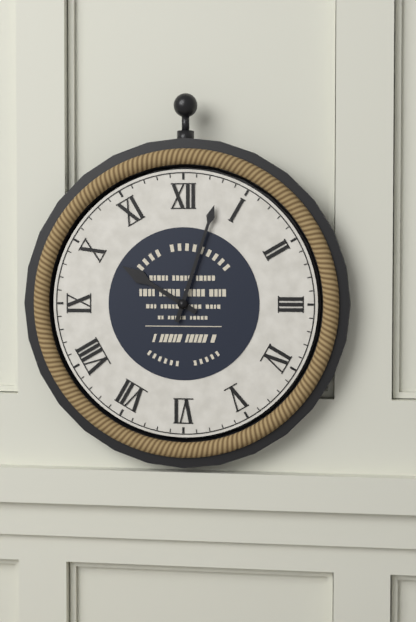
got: 10h03
